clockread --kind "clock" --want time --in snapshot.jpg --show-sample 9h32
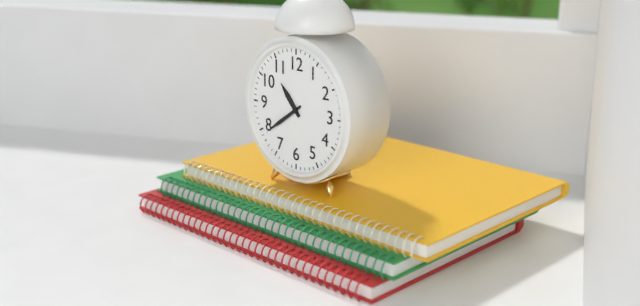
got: 10h39
